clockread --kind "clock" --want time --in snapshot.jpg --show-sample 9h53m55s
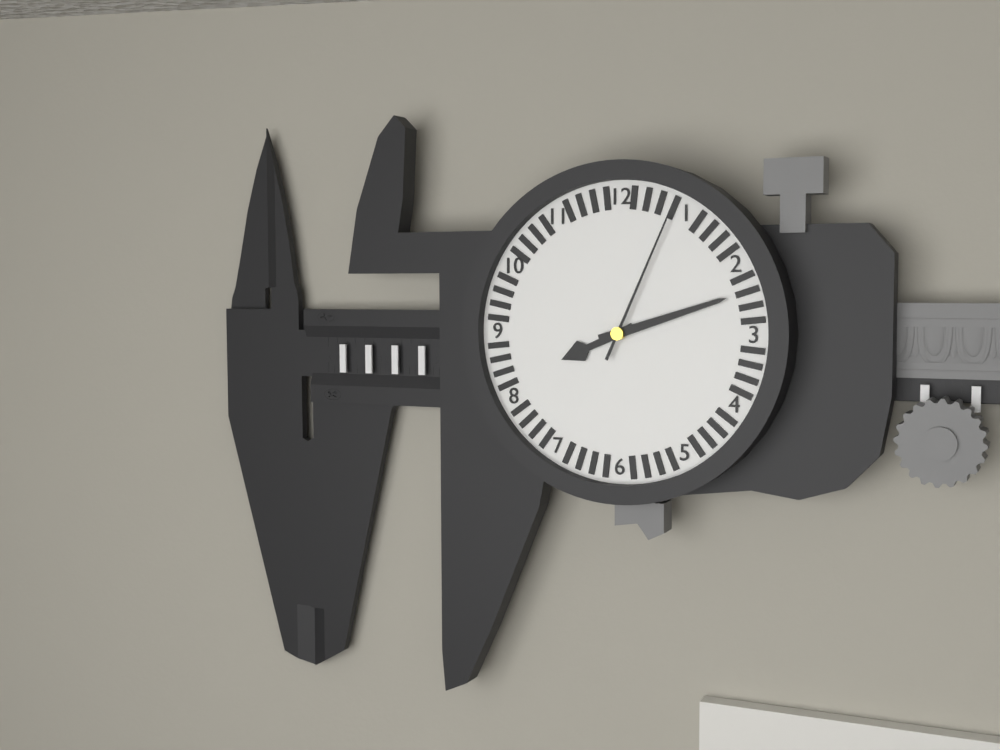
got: 8h12m04s
